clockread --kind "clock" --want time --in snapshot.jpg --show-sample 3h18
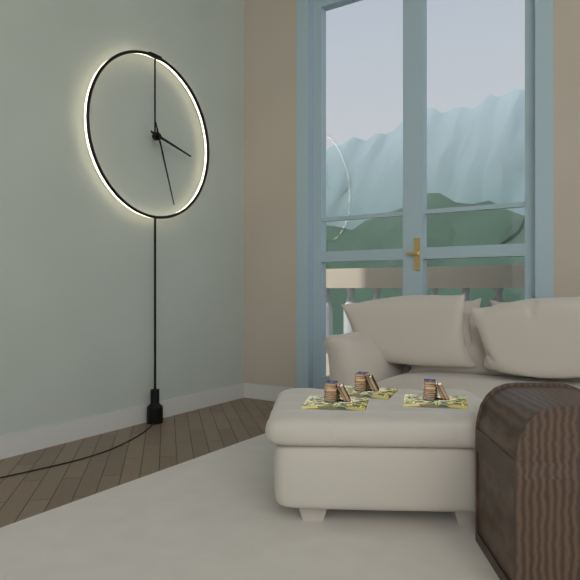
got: 3h27
